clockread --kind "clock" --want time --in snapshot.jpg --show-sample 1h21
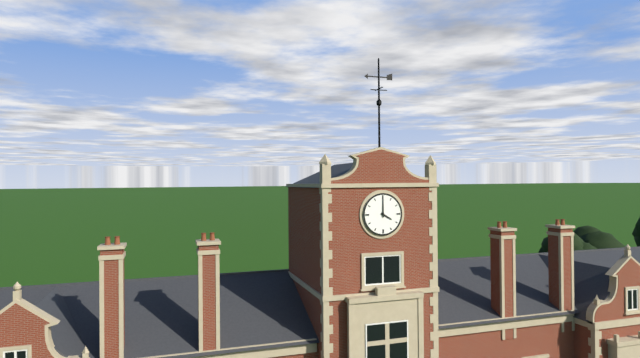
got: 4h00
